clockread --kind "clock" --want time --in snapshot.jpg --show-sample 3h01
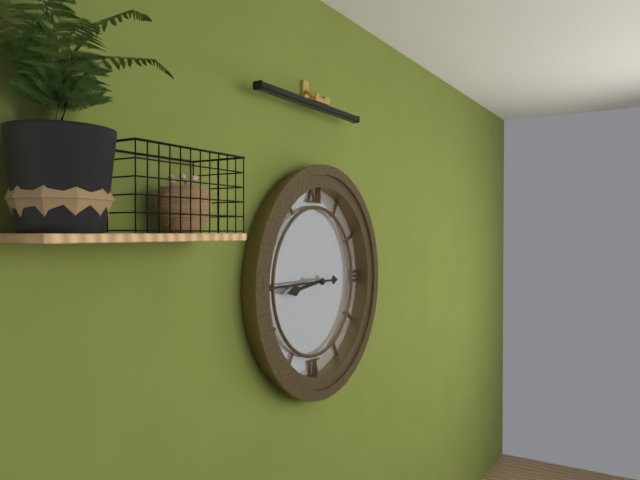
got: 8h45
